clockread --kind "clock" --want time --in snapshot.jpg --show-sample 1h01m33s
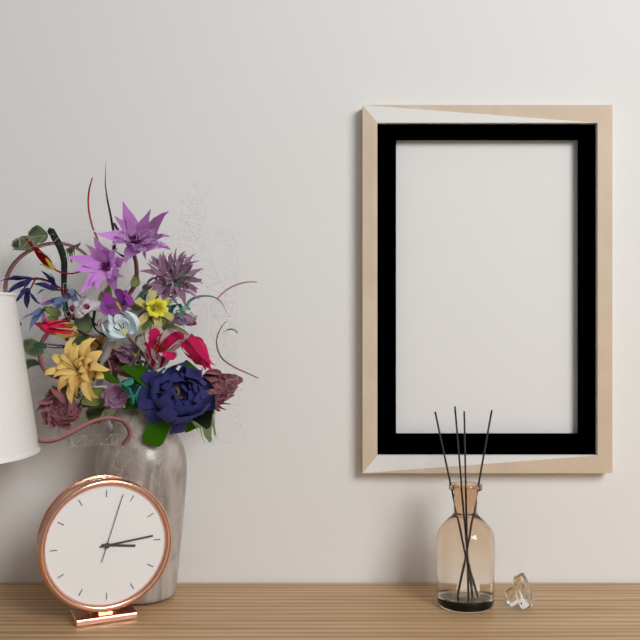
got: 3h14m03s
